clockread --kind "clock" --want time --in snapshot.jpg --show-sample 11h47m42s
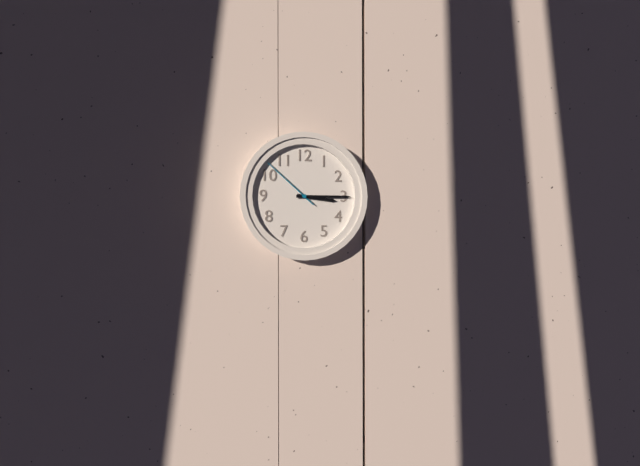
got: 3h15m52s
